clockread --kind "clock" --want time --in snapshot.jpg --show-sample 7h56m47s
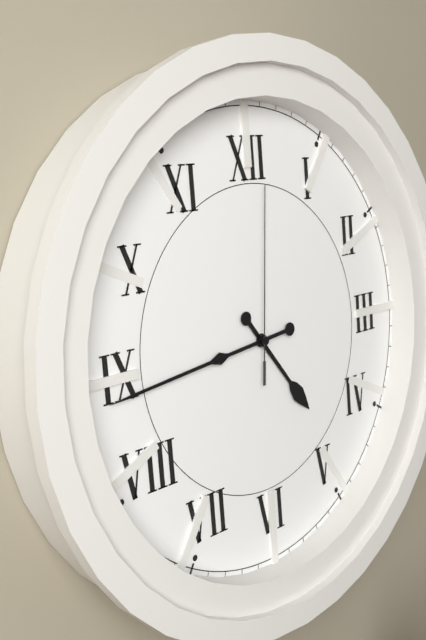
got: 4h44m01s
